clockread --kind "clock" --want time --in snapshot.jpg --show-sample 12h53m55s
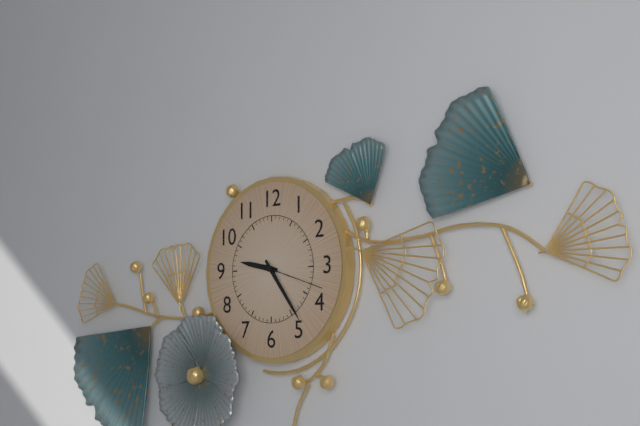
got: 9h24m18s
